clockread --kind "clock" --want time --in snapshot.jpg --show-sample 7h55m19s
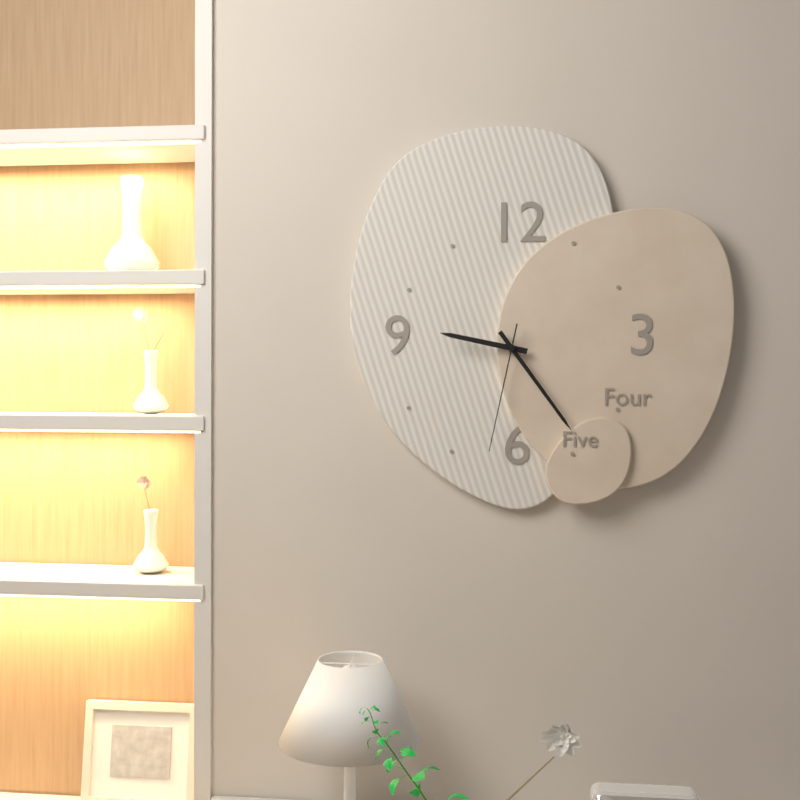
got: 9h24m32s
